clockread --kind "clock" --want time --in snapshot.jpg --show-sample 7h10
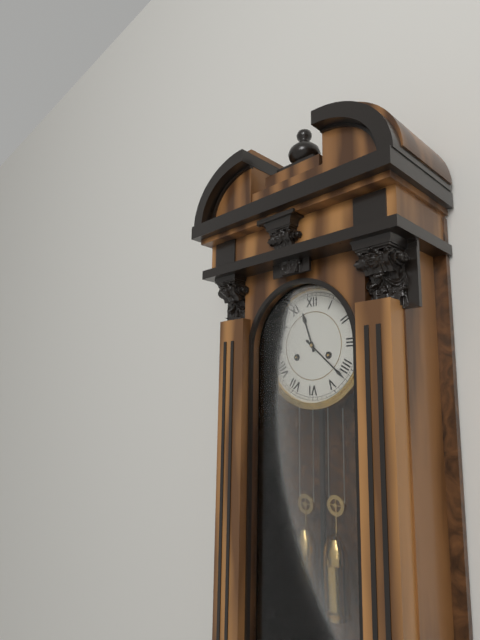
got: 11h22
